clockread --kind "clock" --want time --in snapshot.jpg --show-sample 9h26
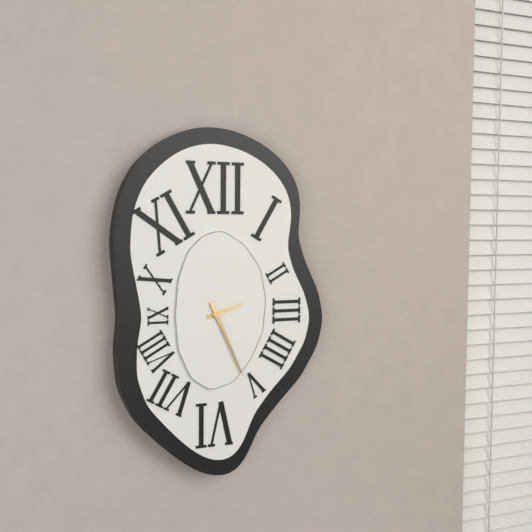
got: 2h26
